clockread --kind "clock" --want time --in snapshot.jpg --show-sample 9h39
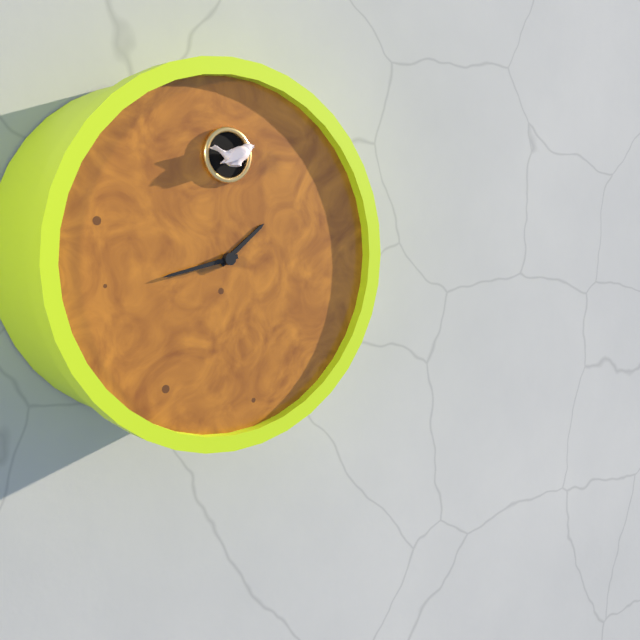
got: 1h43
